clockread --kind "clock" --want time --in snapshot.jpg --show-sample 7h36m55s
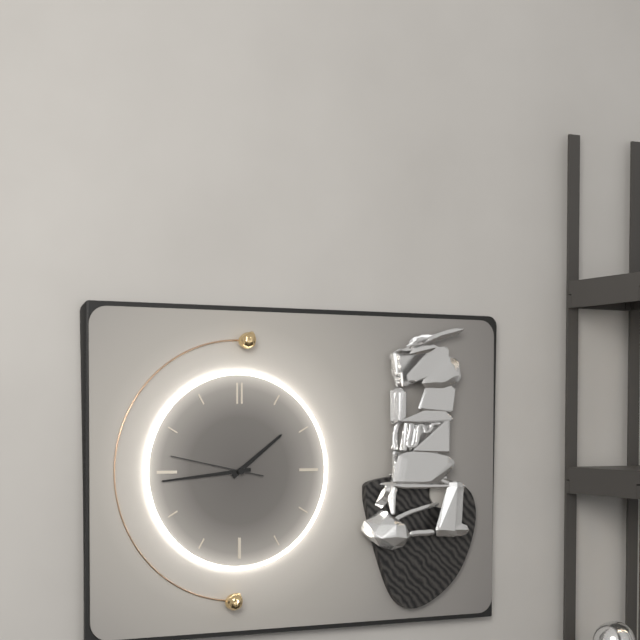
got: 1h44m47s
